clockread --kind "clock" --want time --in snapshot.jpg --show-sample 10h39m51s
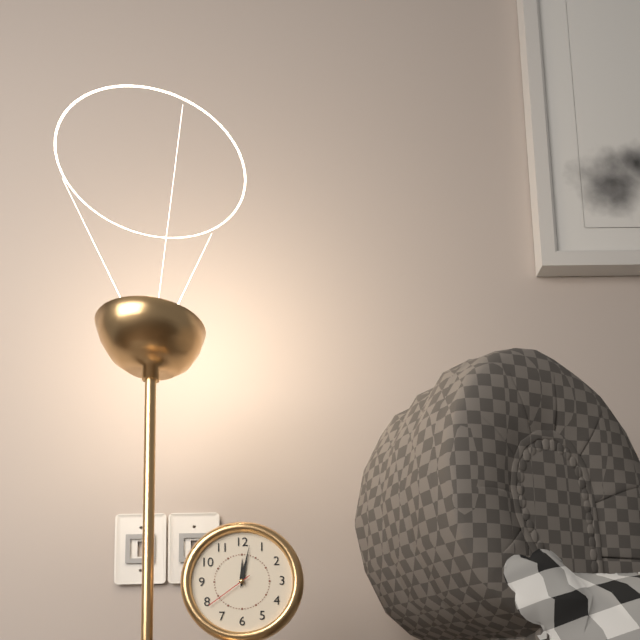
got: 12h02m39s
